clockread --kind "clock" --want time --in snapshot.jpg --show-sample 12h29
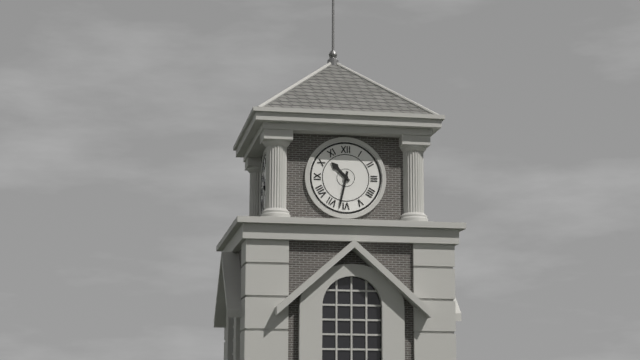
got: 10h32
